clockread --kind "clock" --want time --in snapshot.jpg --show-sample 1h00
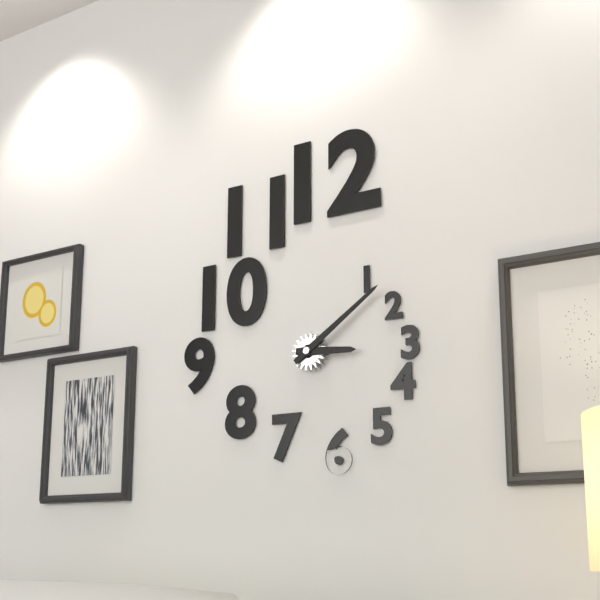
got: 3h09
